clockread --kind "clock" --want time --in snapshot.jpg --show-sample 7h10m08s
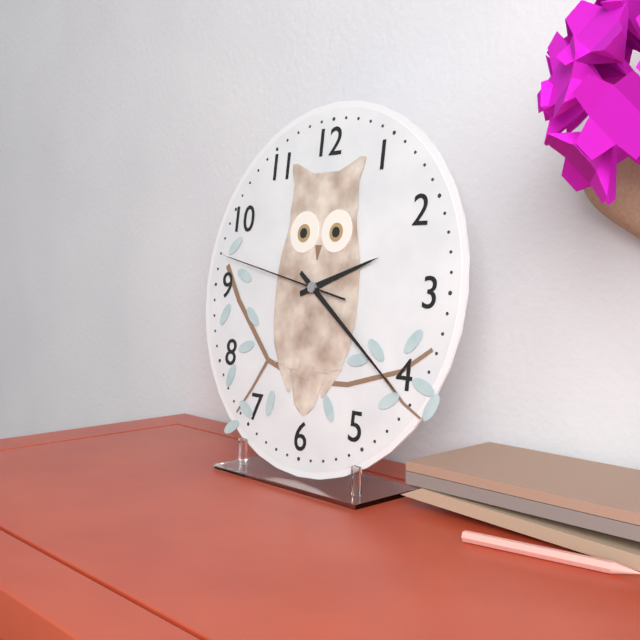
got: 2h21m47s
